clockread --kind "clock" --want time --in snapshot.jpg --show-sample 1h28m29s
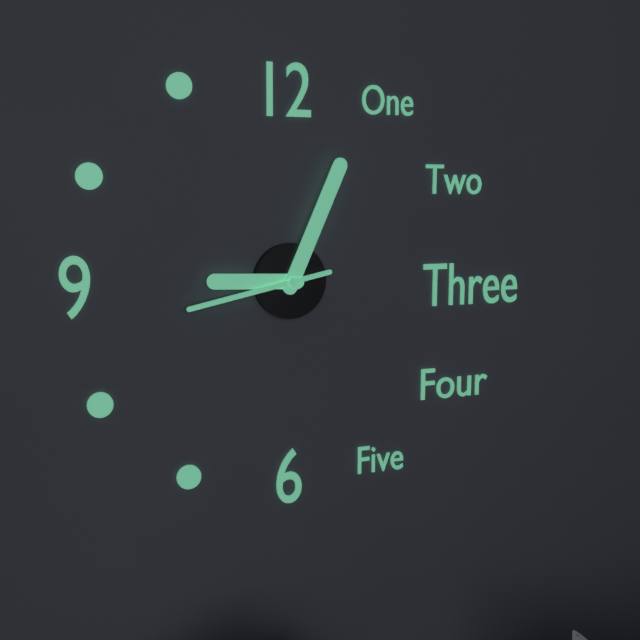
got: 9h04m43s
